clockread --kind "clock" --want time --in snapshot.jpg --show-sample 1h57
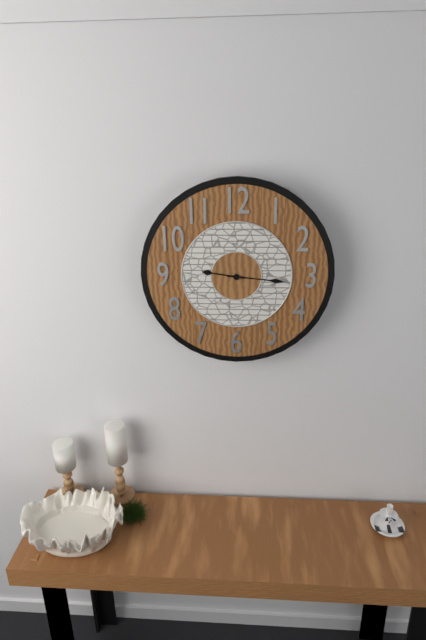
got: 9h16
